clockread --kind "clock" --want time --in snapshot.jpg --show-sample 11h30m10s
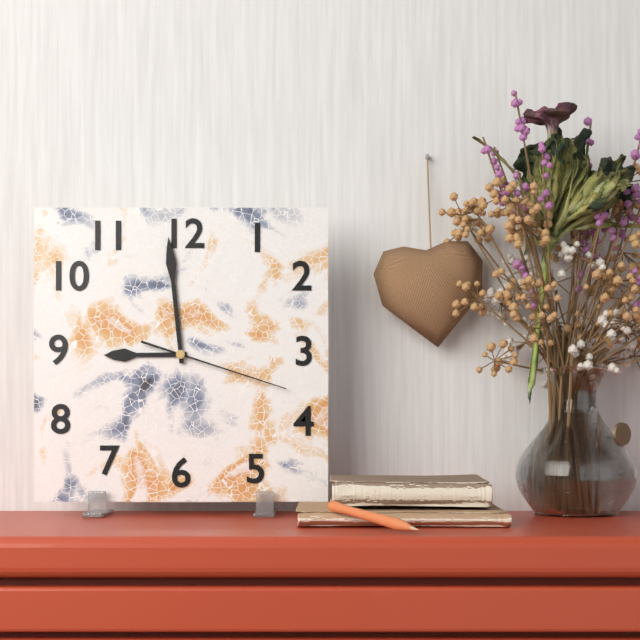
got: 8h59m18s
